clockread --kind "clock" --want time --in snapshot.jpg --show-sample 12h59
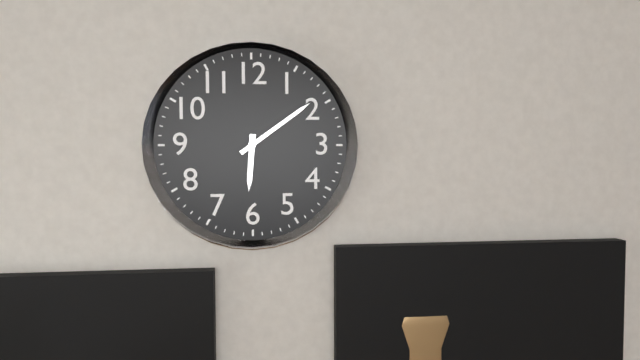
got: 6h09
